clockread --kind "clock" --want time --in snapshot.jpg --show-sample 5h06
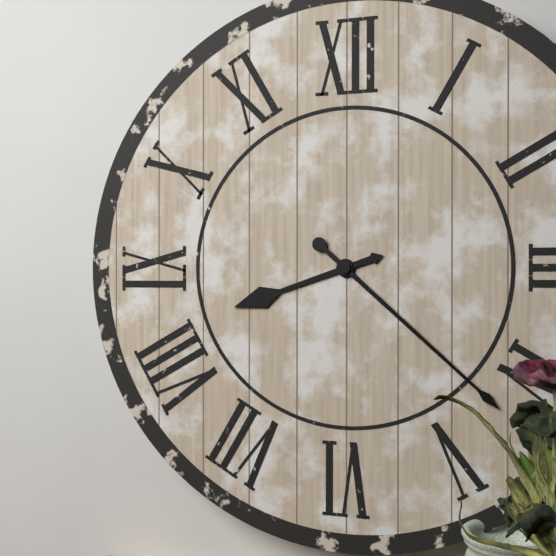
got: 8h22
